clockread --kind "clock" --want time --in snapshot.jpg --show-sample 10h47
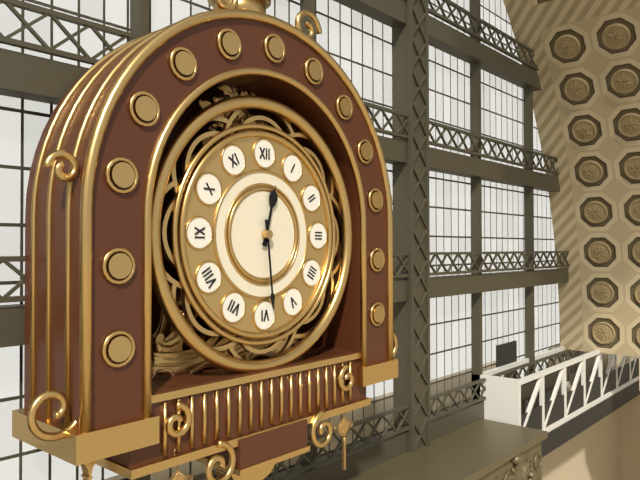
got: 12h29
